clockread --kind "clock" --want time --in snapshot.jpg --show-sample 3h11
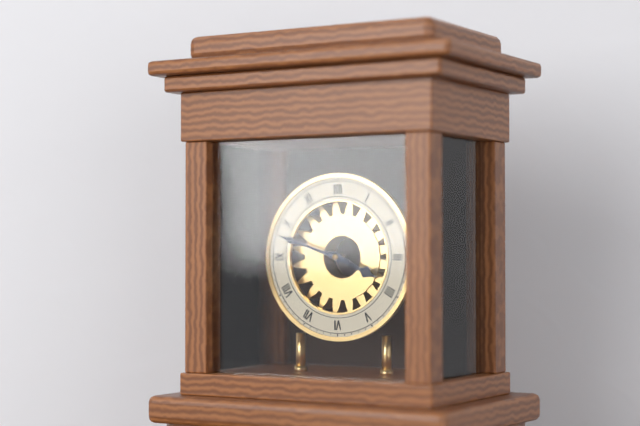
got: 3h48
